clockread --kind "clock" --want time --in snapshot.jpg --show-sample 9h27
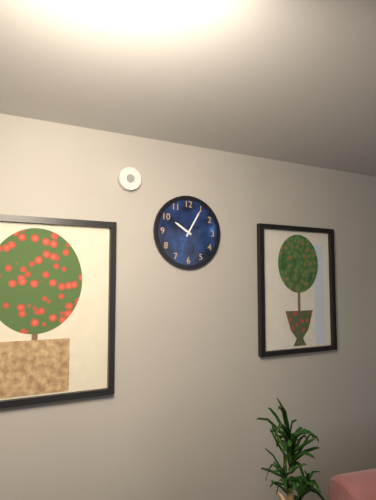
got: 10h05
